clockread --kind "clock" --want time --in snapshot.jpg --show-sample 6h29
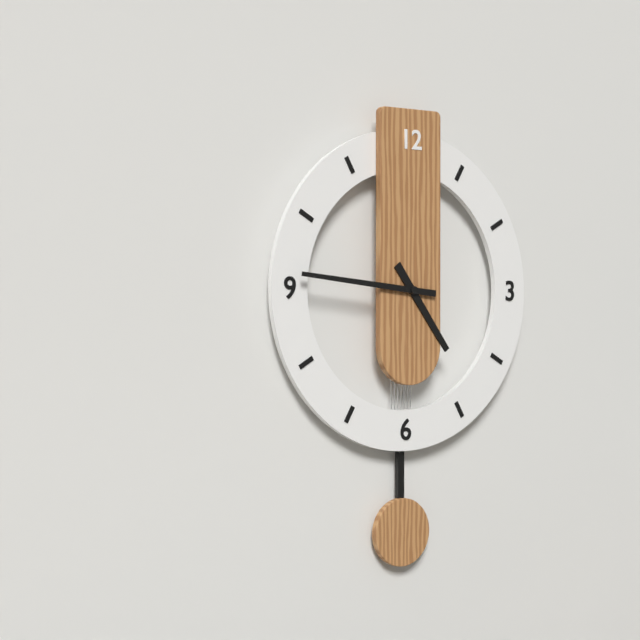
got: 4h46
